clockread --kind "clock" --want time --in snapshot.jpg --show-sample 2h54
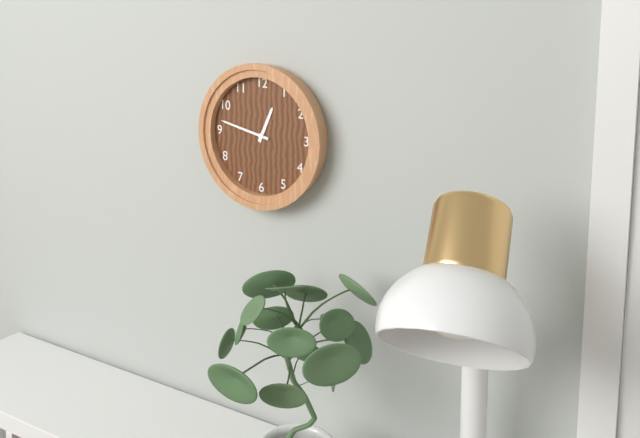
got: 12h47
